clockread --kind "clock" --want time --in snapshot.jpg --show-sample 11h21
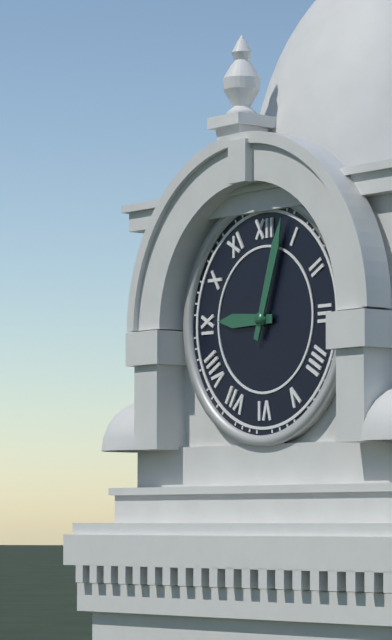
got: 9h03
